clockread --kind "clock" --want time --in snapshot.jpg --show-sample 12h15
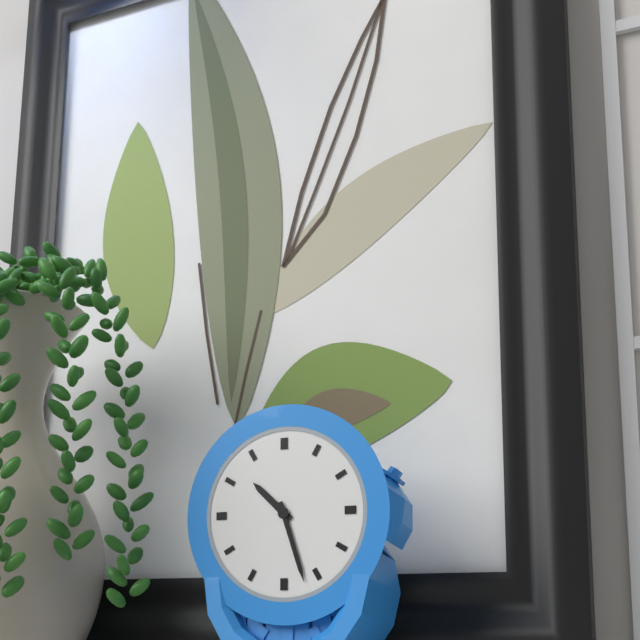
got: 10h27
